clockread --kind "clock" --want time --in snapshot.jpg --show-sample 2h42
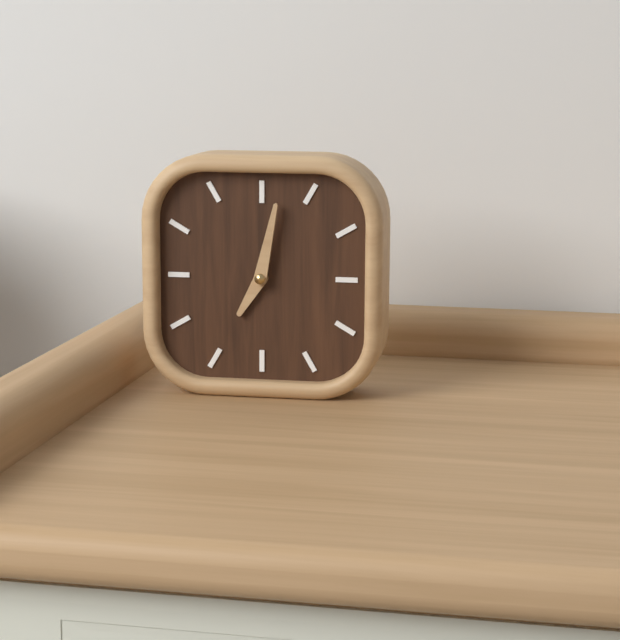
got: 7h02
